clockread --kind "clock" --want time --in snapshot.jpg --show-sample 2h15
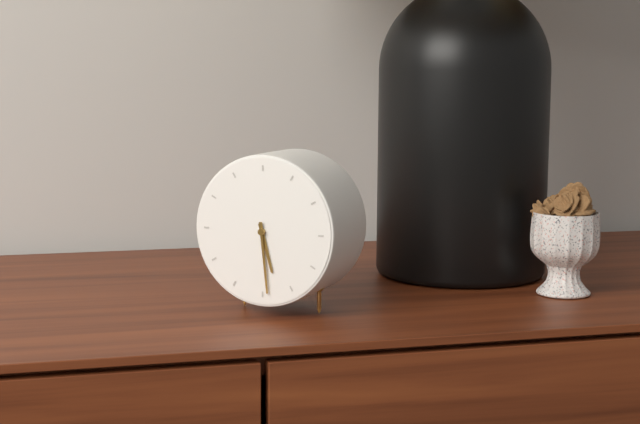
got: 5h29
